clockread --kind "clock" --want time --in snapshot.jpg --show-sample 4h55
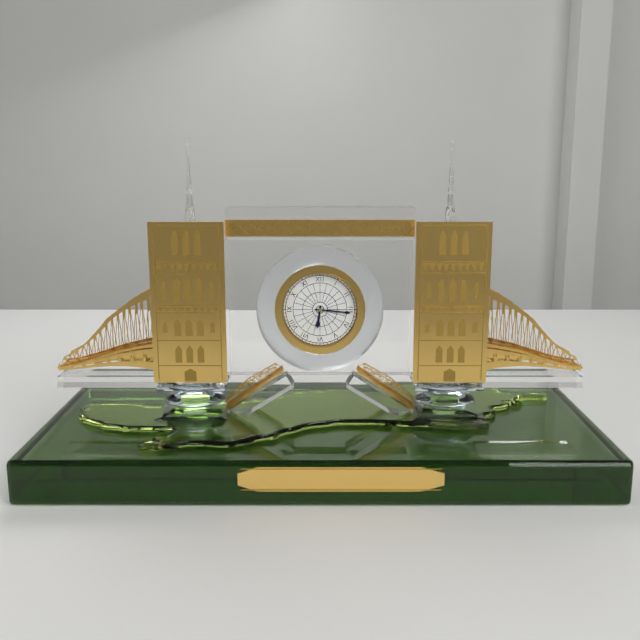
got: 6h16
